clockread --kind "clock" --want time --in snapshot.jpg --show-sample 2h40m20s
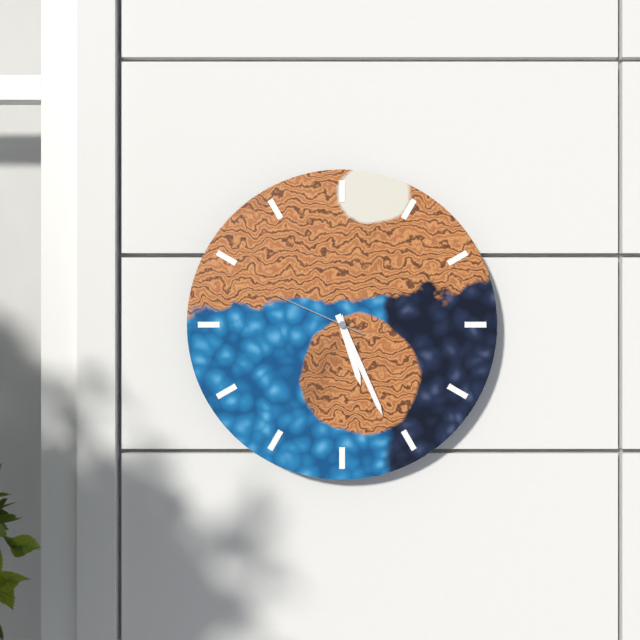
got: 5h26m49s
